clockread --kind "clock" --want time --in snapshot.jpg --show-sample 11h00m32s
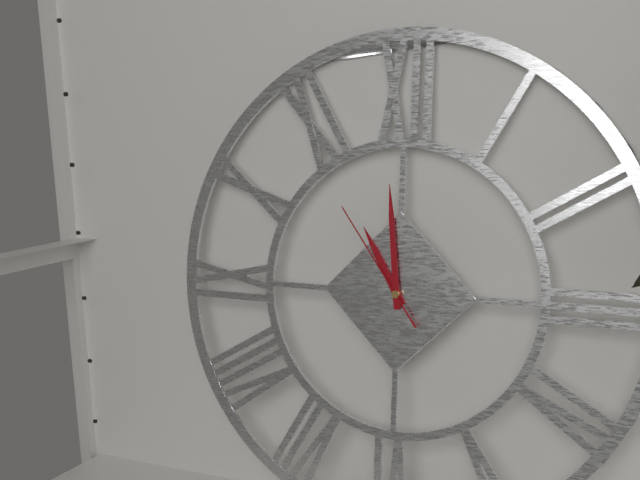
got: 10h59m54s
